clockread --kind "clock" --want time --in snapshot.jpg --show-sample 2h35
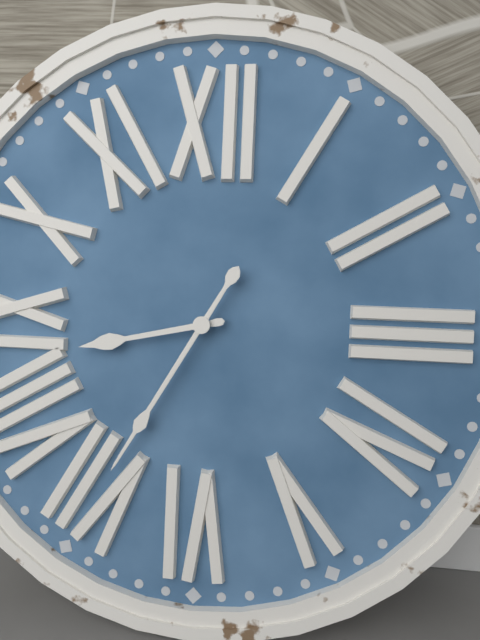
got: 8h35
